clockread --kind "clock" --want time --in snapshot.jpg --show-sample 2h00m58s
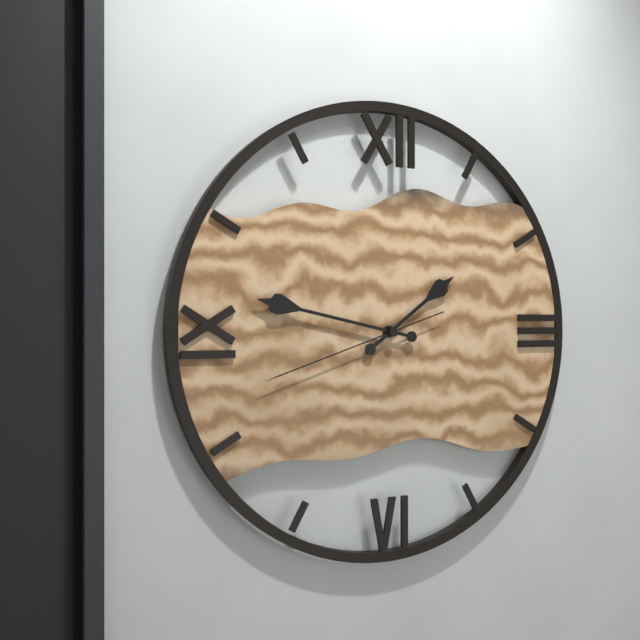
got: 1h47m42s
